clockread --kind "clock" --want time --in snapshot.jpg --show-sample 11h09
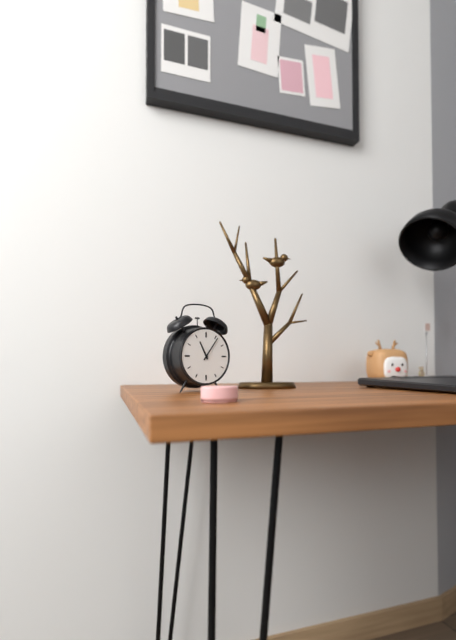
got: 11h06
